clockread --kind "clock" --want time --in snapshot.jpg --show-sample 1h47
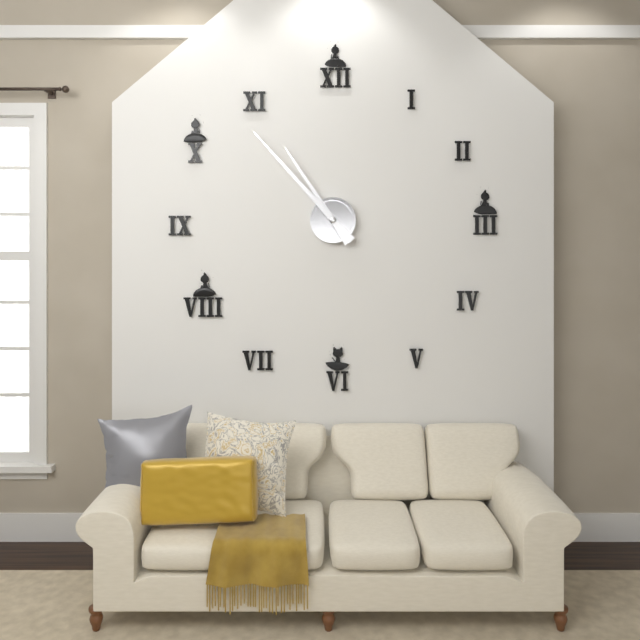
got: 10h53
